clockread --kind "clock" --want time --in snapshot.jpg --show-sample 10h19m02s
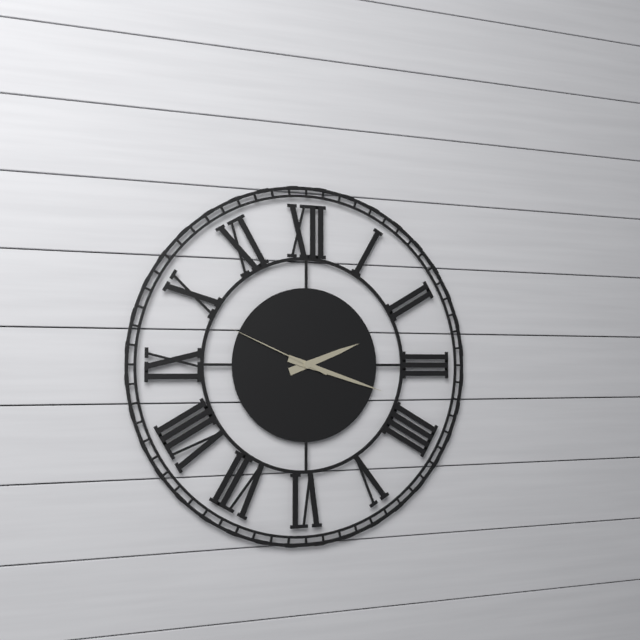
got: 2h18m49s
